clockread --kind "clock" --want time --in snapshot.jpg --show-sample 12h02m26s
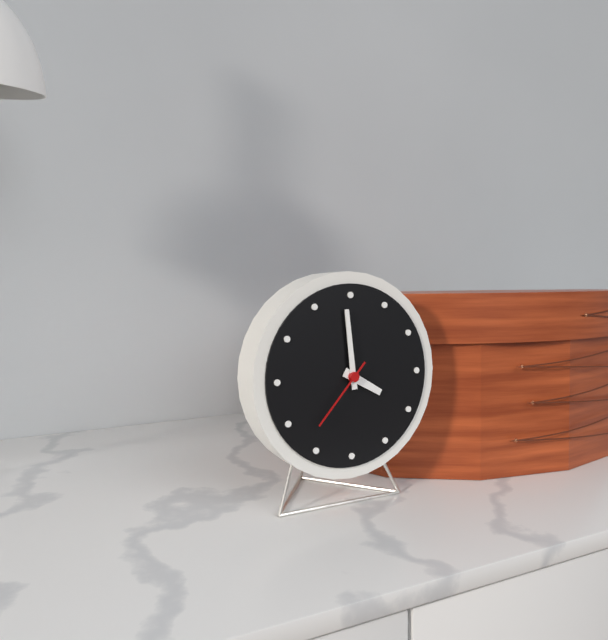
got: 3h59m37s
